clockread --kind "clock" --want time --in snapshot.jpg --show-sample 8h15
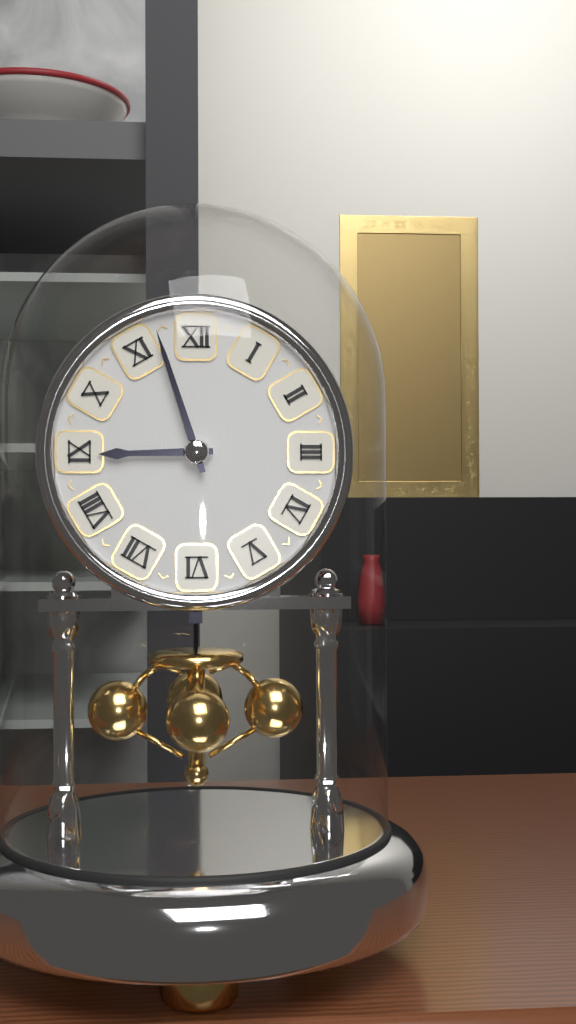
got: 8h57
